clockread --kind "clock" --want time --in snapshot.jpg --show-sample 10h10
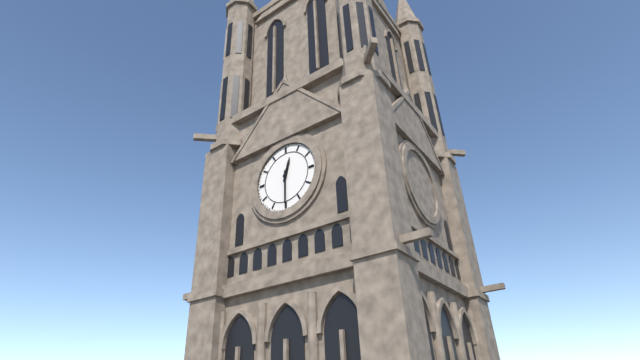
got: 12h30
